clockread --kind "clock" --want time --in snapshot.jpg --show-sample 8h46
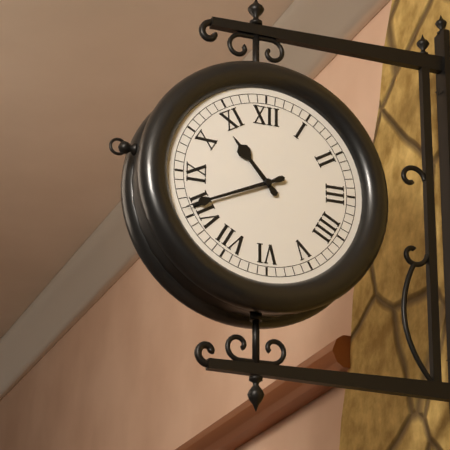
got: 10h41
